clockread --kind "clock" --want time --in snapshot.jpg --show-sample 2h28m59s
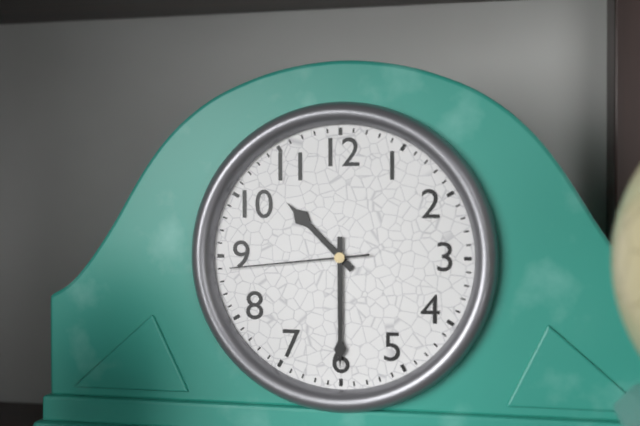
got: 10h30m44s
